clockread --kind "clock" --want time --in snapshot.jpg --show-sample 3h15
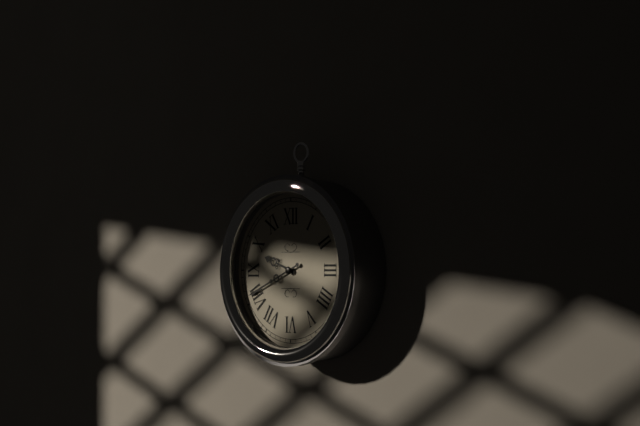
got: 9h41
